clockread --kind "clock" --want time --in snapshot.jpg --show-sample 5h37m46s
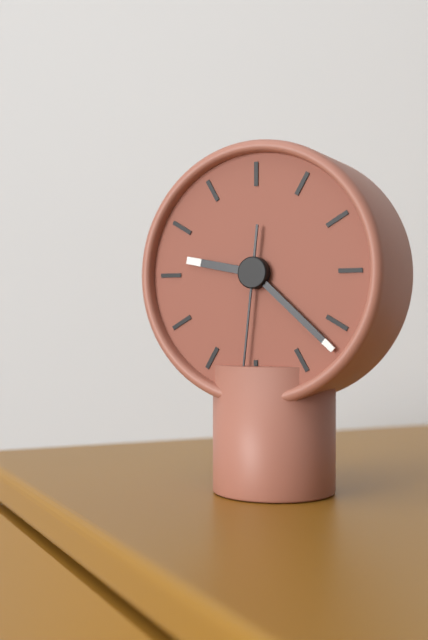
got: 9h22m31s
